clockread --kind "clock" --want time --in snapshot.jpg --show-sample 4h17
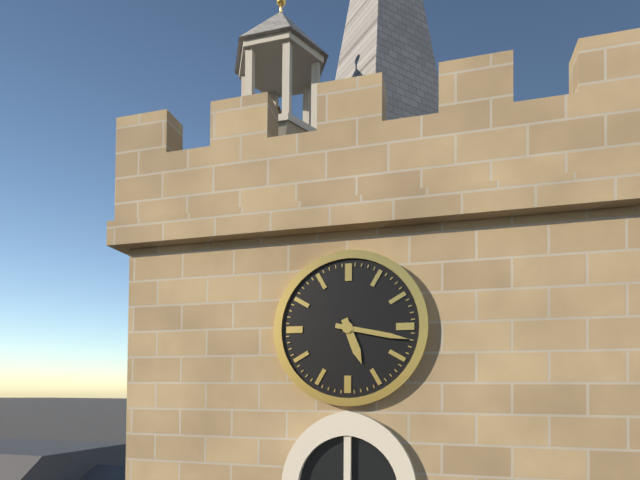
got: 5h17
